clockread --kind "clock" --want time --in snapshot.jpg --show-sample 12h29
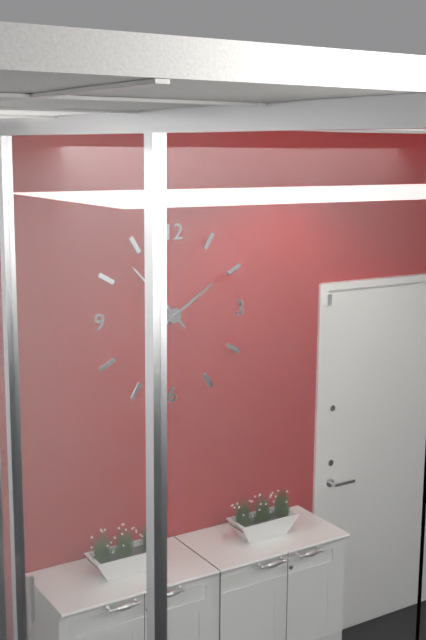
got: 1h53
